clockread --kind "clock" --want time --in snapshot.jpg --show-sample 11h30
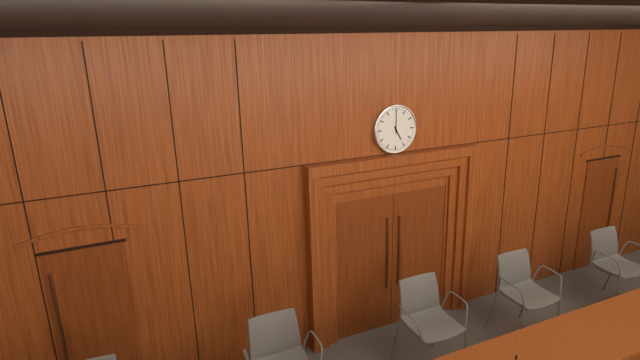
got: 5h00
